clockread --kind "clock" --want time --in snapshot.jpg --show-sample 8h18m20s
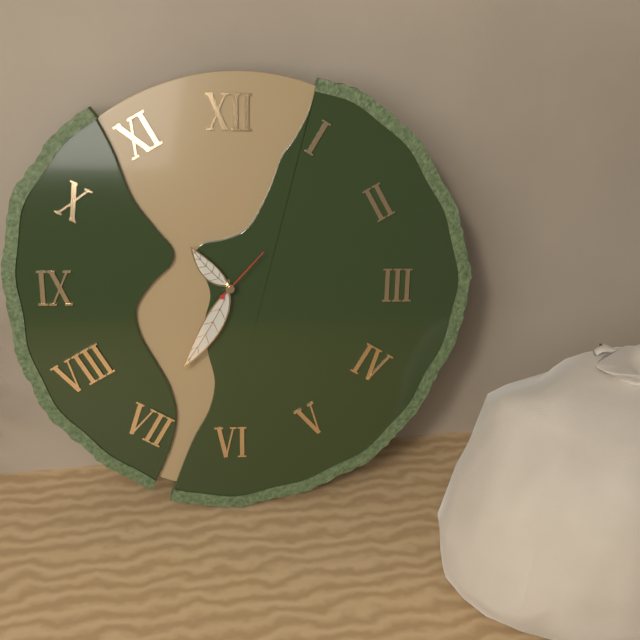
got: 10h35m07s
